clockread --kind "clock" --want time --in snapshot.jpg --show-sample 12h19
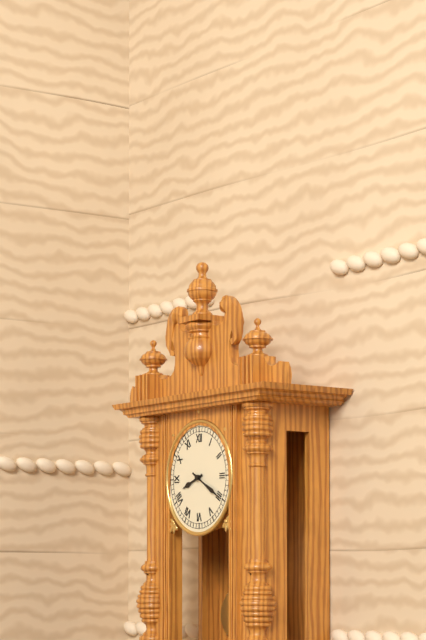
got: 8h20
